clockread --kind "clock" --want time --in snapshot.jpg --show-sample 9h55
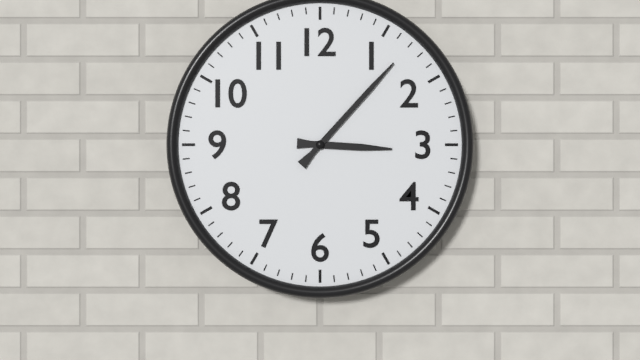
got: 3h07
